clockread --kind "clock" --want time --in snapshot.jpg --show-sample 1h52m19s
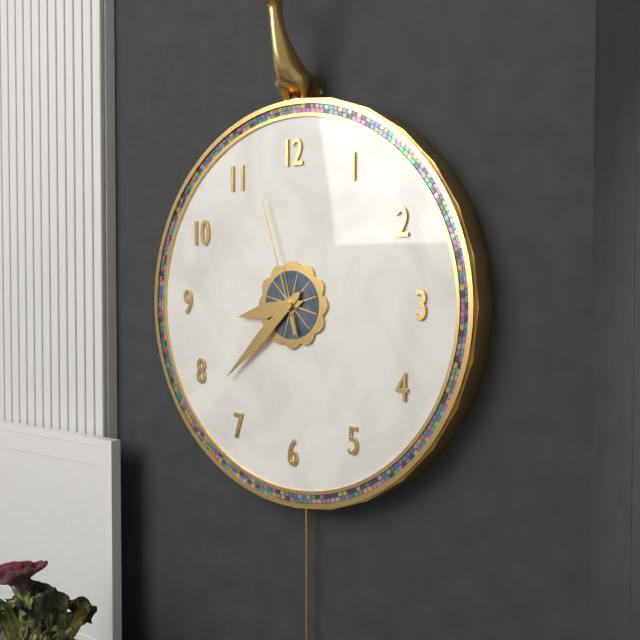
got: 8h38m57s
